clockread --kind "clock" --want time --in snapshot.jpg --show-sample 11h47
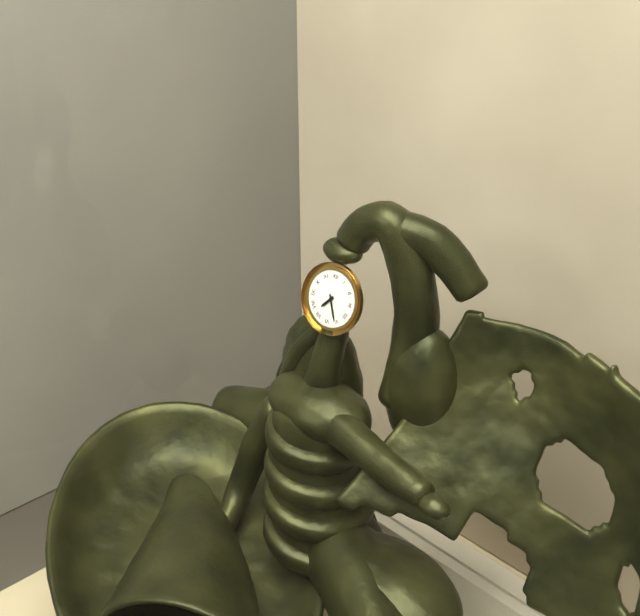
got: 7h26
